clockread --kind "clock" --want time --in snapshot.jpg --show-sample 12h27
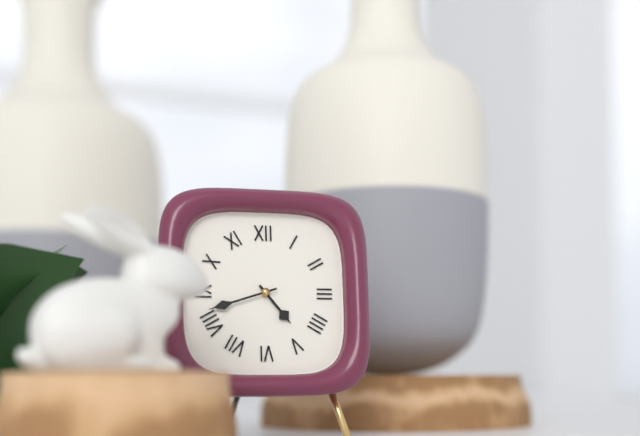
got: 4h42
